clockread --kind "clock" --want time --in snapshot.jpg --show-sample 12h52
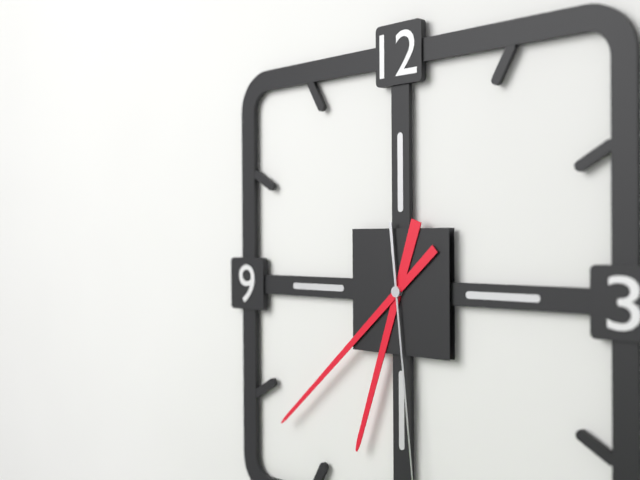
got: 6h38
